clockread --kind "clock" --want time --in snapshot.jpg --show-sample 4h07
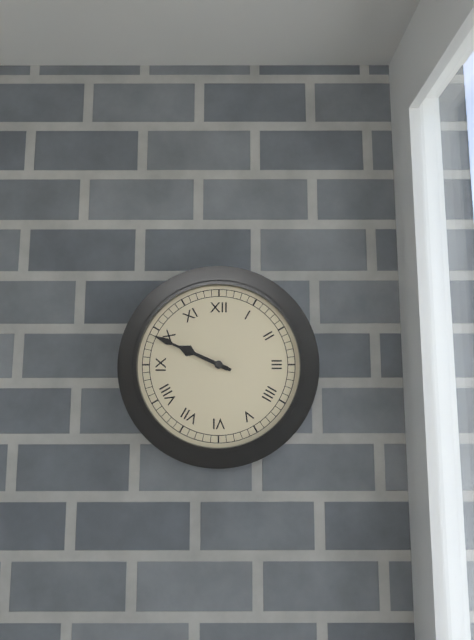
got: 9h49
